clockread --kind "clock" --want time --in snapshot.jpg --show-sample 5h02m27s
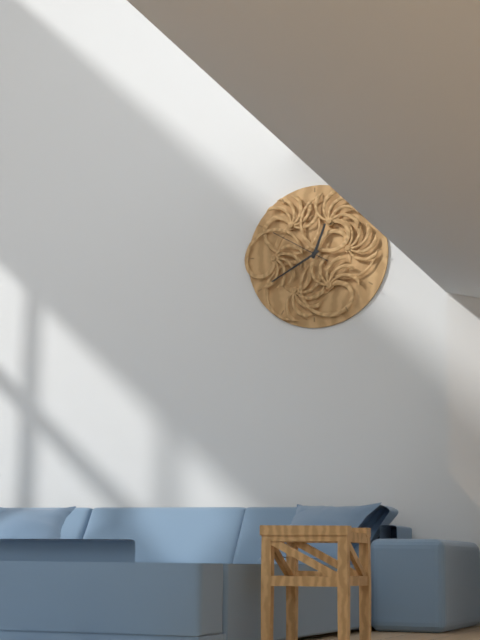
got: 12h40m50s
